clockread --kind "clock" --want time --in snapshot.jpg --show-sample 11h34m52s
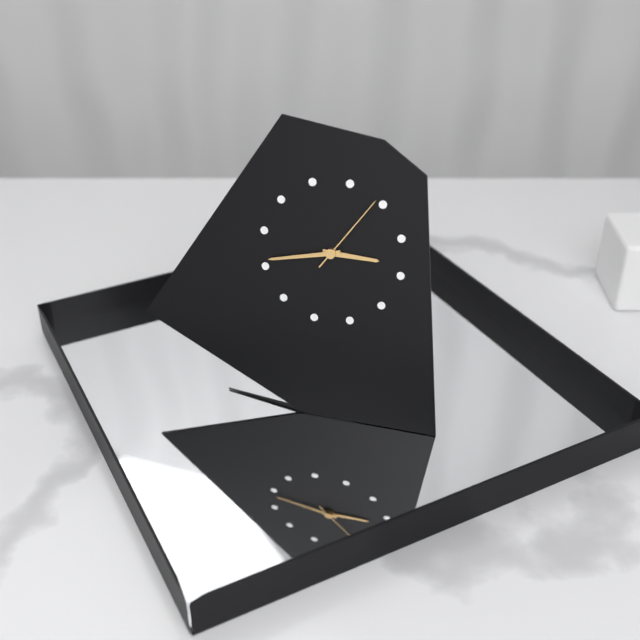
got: 2h41m04s
